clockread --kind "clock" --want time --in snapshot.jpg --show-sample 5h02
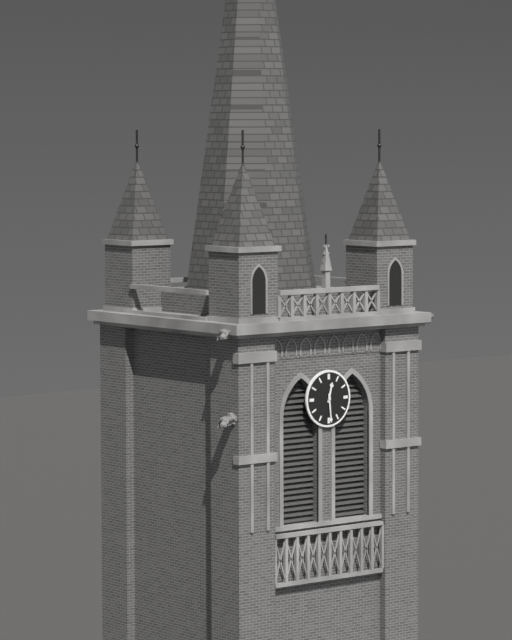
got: 12h29
